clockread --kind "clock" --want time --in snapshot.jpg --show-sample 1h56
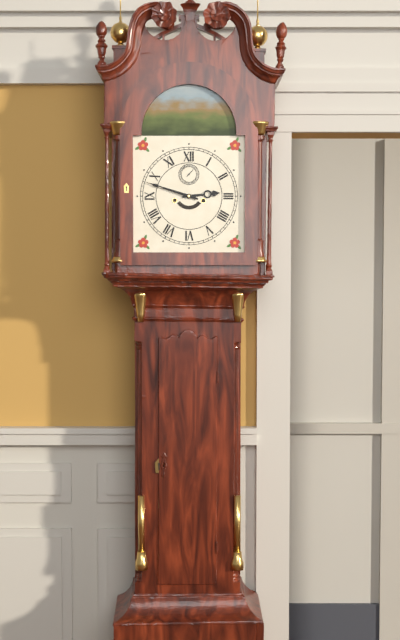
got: 2h48
